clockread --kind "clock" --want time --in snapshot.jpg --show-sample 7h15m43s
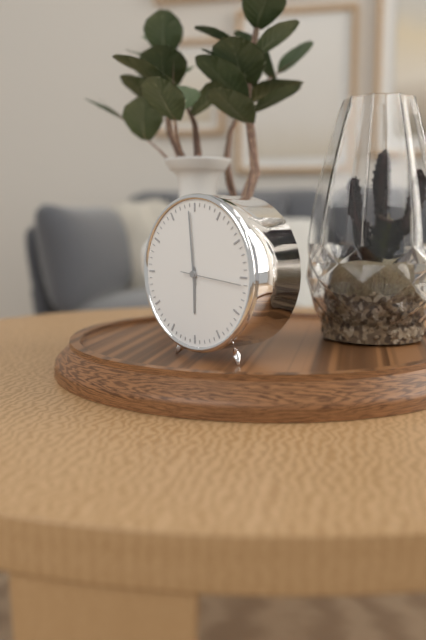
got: 5h59m16s
